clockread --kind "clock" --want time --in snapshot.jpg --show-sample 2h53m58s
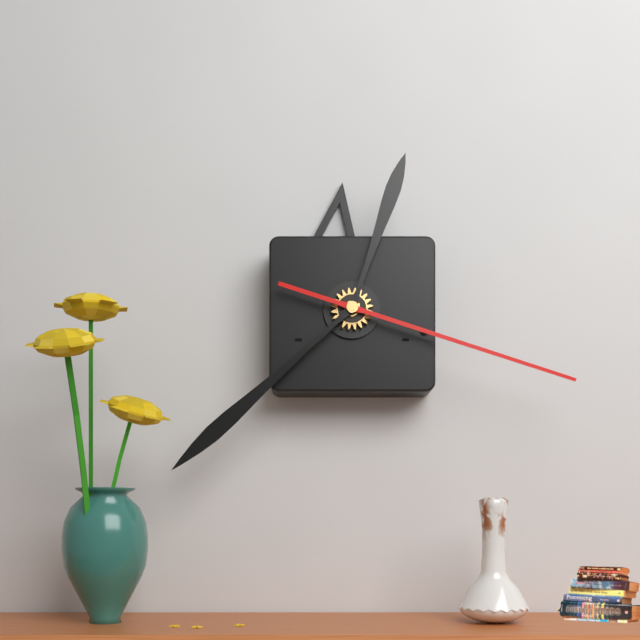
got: 12h38m18s
